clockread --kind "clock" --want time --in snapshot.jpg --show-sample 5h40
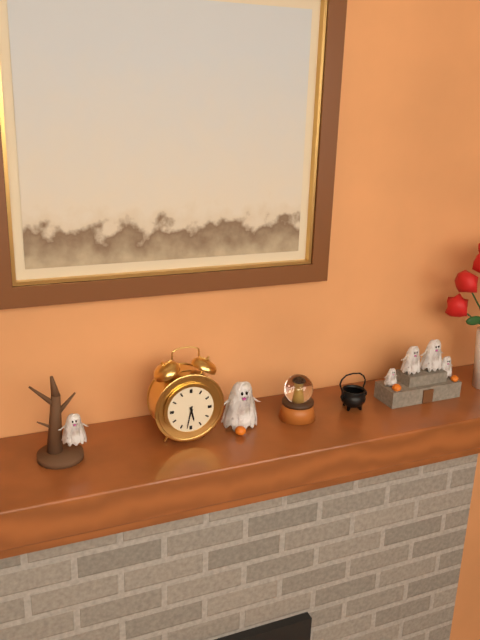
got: 5h32
